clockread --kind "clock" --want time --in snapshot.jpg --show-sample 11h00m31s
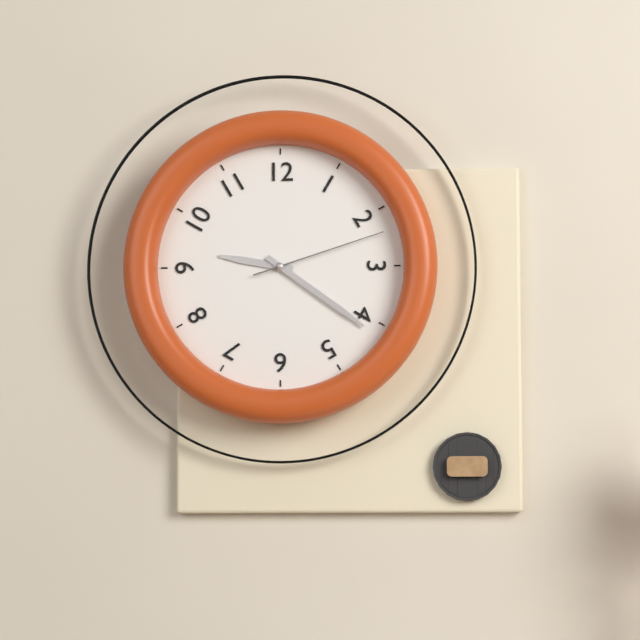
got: 9h21m12s
